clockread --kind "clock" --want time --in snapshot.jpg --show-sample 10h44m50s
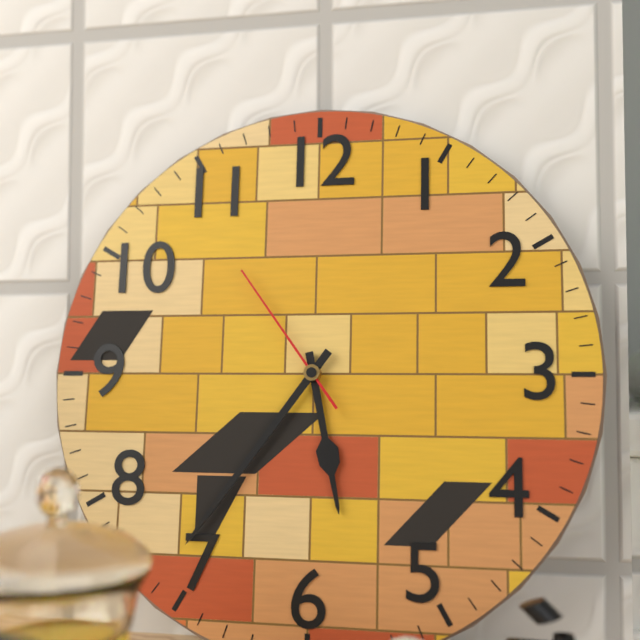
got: 5h36m54s
